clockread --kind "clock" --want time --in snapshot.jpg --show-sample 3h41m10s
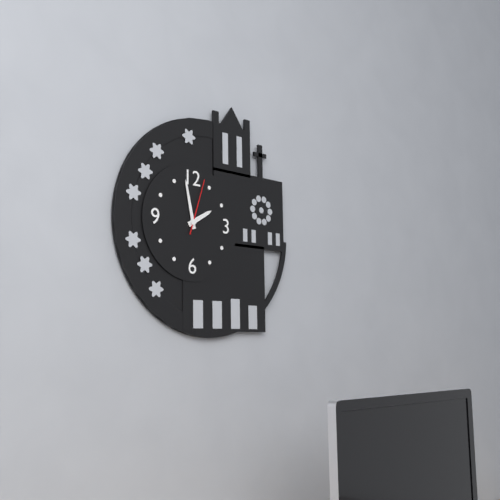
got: 1h58m03s
